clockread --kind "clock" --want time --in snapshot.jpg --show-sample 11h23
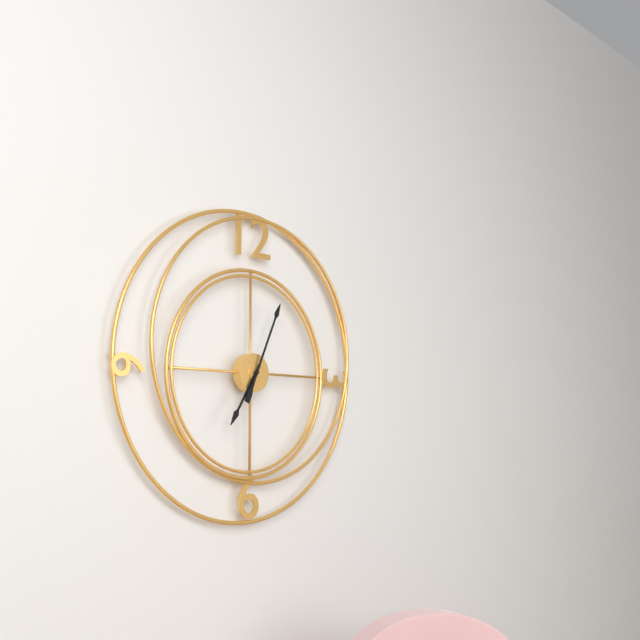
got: 7h04
